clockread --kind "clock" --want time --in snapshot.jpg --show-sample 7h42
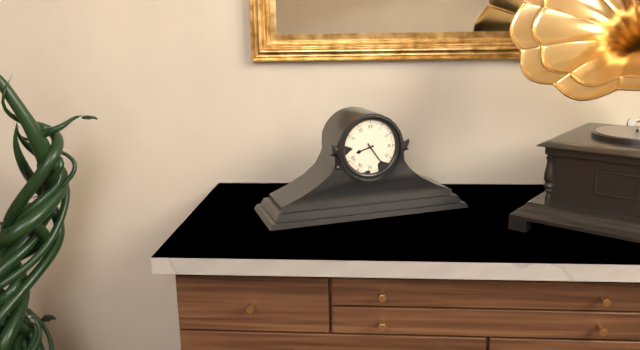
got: 8h24
